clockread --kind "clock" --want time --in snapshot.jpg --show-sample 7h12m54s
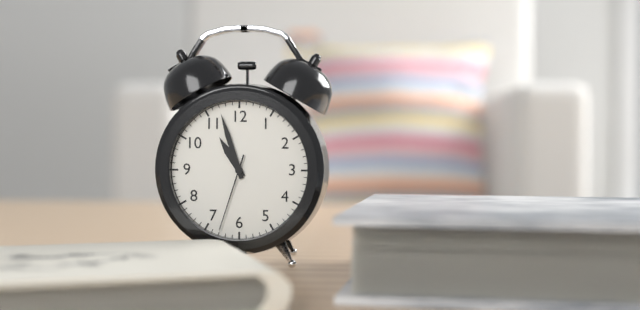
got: 10h57m33s
